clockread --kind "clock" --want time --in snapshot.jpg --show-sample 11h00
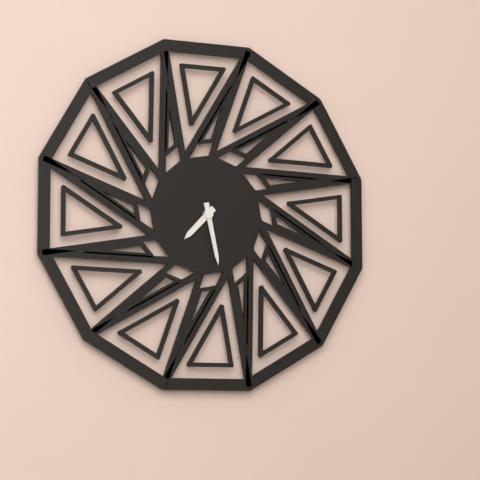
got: 7h28
